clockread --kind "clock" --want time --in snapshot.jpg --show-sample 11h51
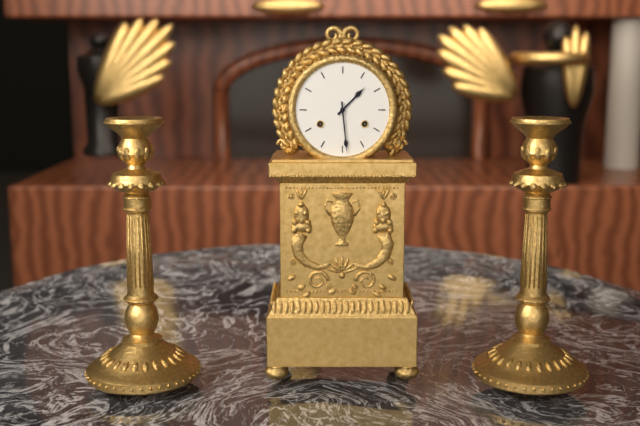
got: 1h29
